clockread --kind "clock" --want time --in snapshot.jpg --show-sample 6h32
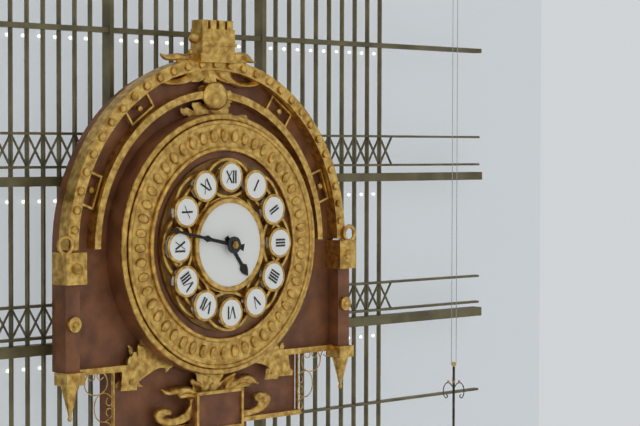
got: 4h47
